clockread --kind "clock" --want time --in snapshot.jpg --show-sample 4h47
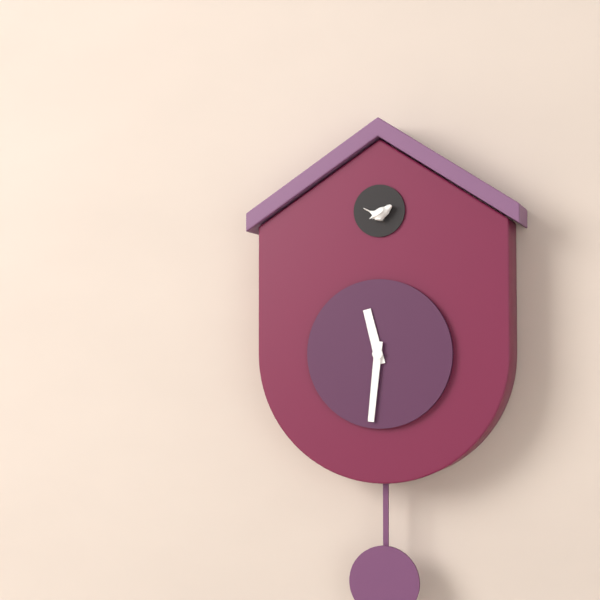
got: 11h31
